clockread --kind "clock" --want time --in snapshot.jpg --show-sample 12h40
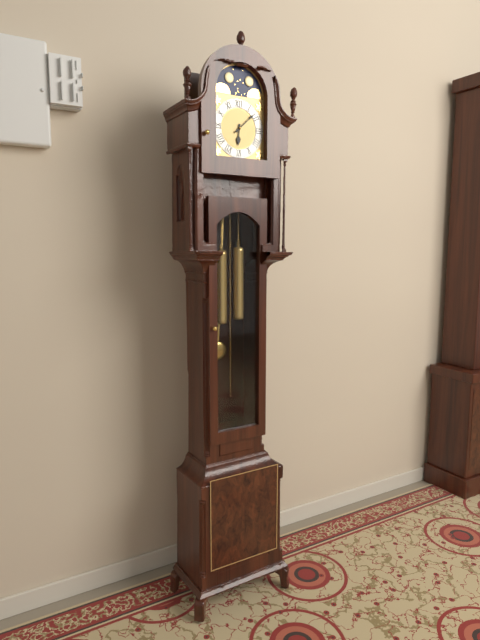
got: 6h08
